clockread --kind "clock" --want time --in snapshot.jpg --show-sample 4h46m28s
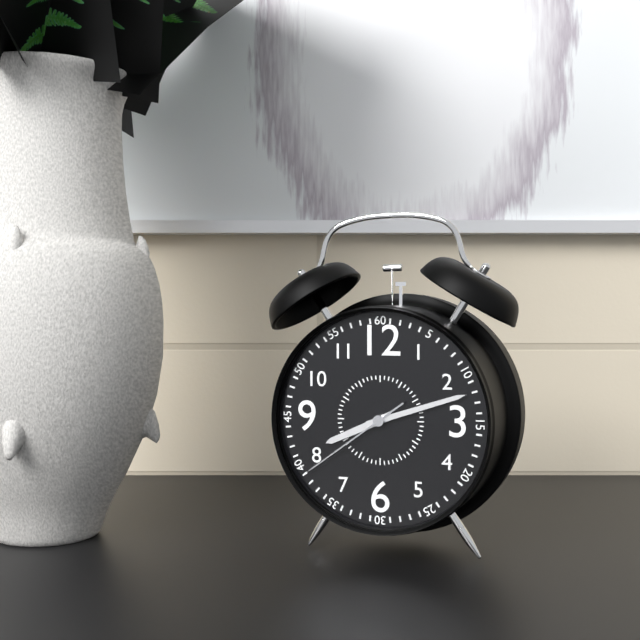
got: 8h12m39s
